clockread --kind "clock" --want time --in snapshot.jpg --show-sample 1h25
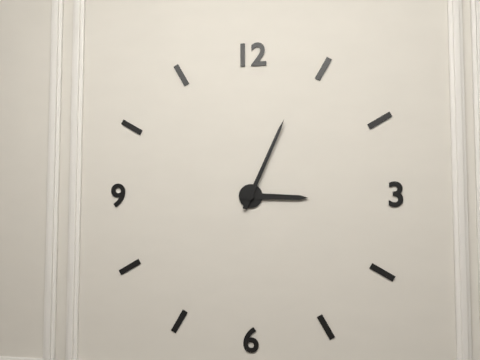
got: 3h04
